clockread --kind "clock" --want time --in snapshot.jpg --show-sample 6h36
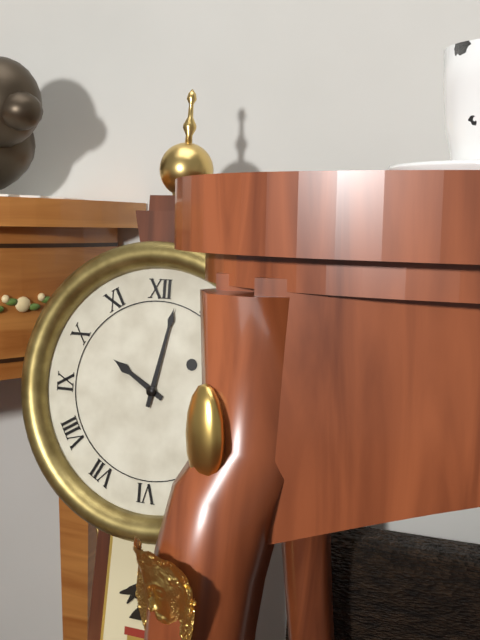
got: 10h02
